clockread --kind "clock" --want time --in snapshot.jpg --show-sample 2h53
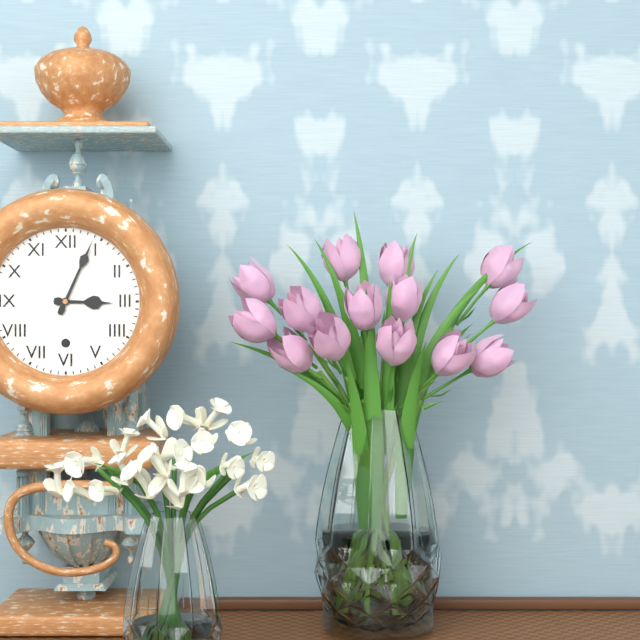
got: 3h04
